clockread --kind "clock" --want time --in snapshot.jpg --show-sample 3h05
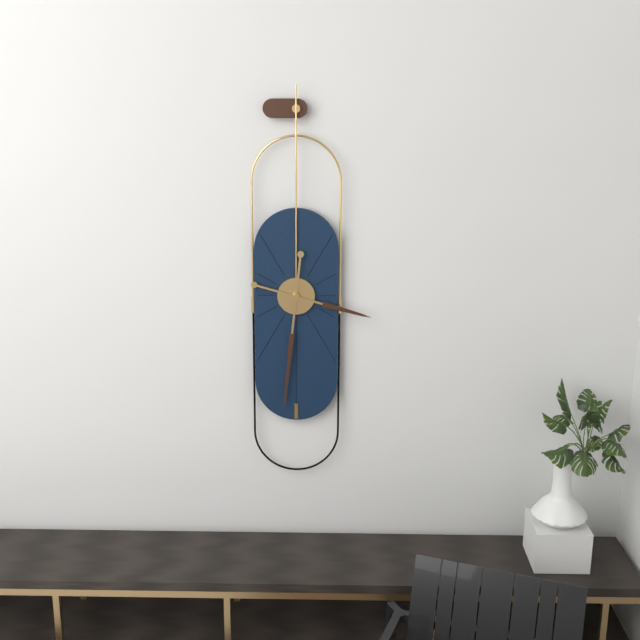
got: 3h31
